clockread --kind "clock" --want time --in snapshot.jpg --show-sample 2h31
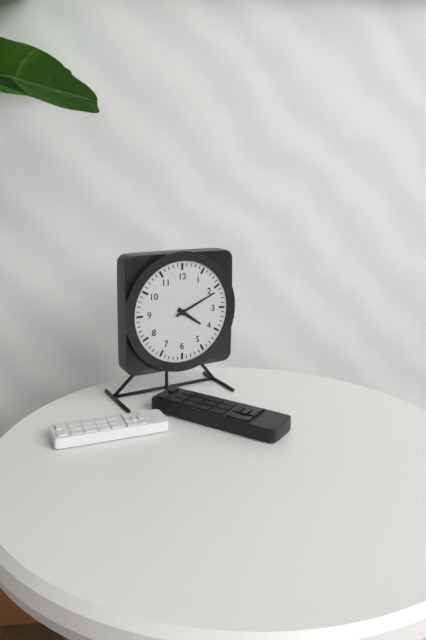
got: 4h11
